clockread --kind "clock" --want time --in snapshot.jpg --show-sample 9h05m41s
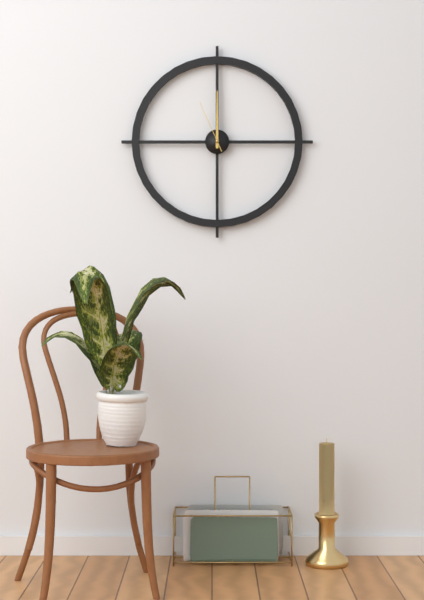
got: 12h00m56s
